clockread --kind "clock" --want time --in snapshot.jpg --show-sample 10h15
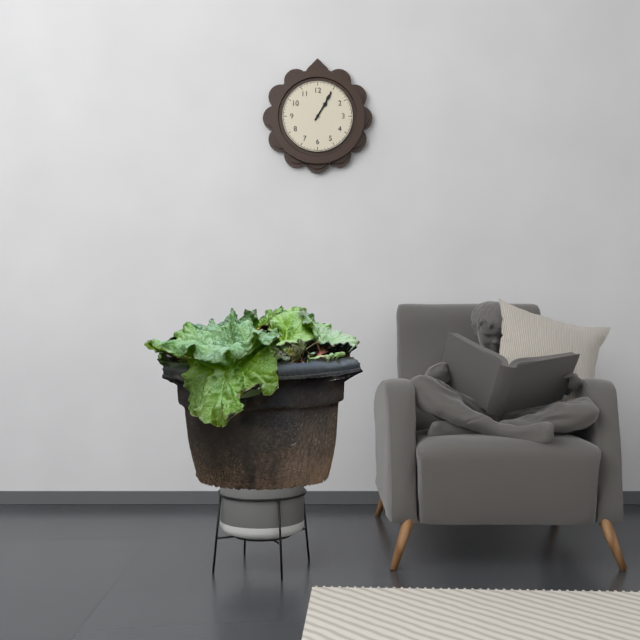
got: 1h05
